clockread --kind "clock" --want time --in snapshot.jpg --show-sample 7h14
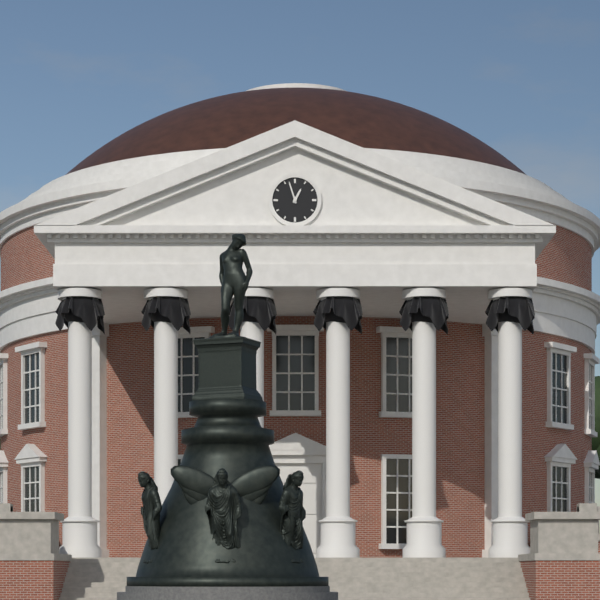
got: 12h57
